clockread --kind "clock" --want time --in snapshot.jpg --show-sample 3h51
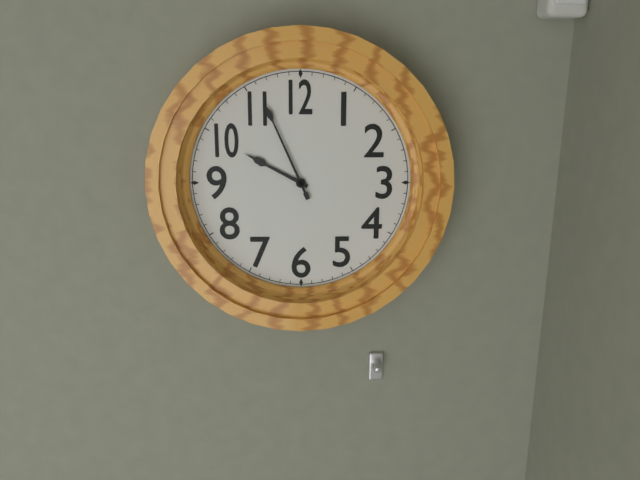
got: 9h56
